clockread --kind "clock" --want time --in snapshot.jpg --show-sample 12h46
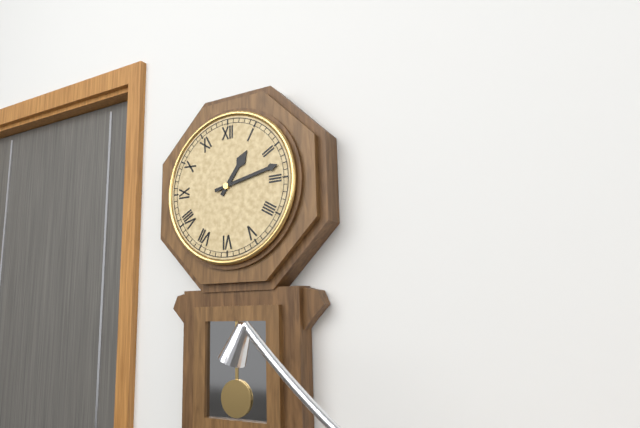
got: 1h13
